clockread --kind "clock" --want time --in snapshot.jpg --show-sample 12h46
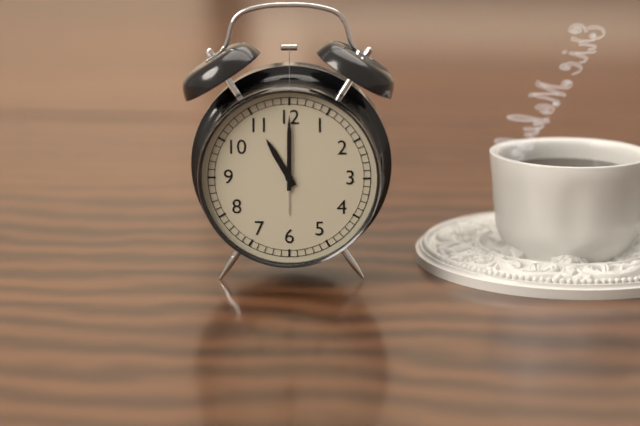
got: 11h00
